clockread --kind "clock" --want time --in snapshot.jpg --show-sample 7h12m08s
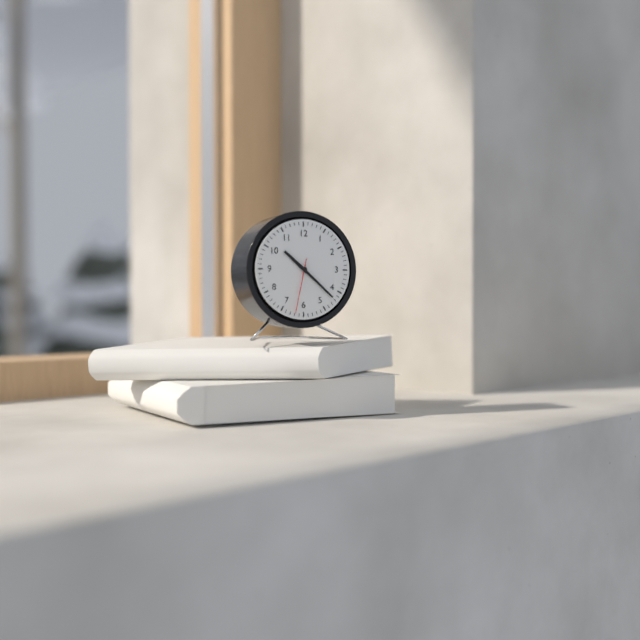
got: 10h22m32s
